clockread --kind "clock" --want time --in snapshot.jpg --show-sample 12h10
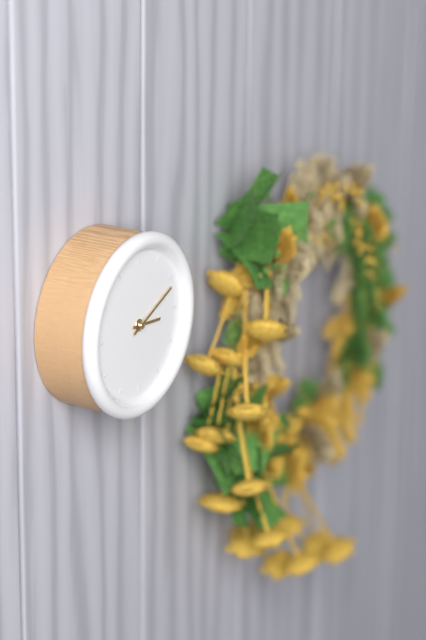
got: 3h11
